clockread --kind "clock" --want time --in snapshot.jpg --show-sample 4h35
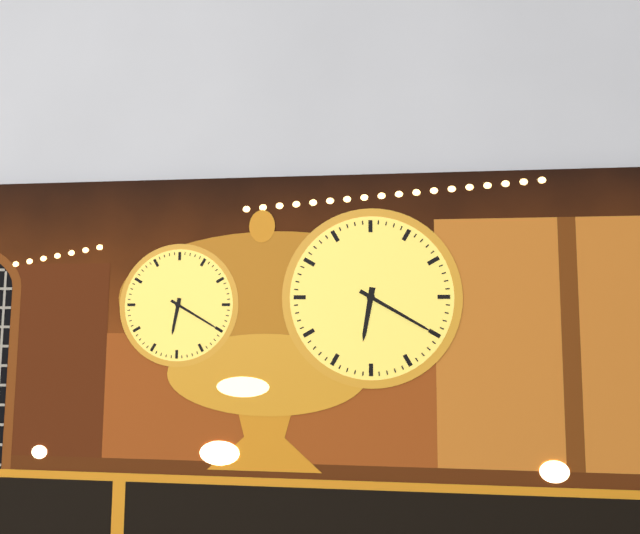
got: 6h20
